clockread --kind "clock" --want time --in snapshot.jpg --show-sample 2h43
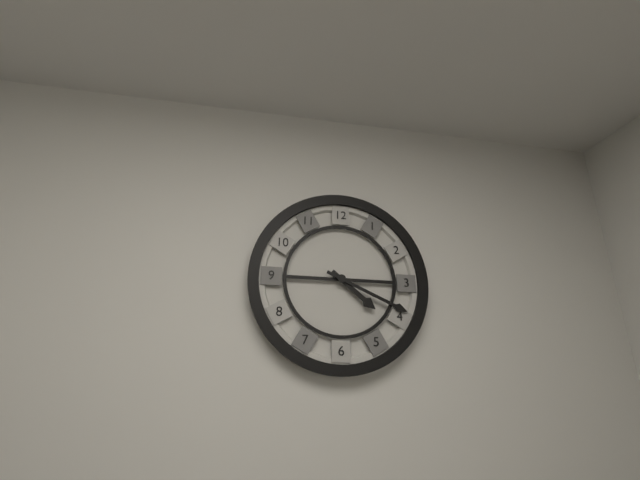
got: 4h19
